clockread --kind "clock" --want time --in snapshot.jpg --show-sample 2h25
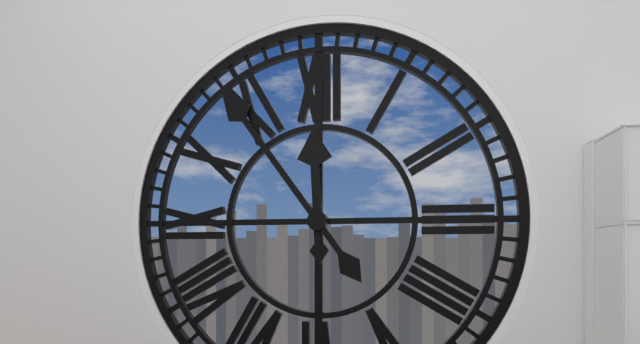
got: 11h54
